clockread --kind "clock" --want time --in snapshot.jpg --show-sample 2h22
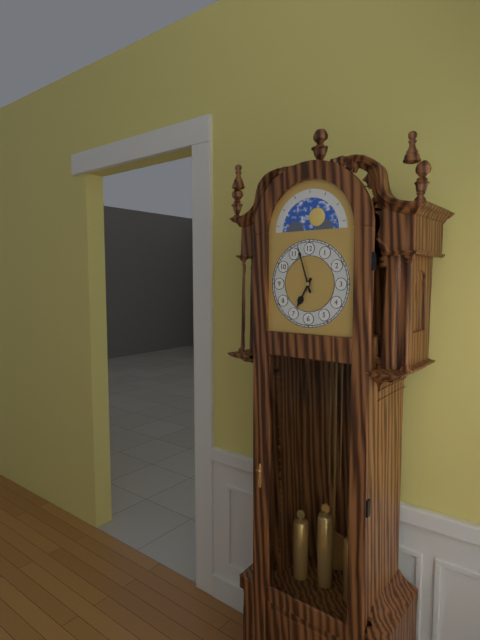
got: 6h57
